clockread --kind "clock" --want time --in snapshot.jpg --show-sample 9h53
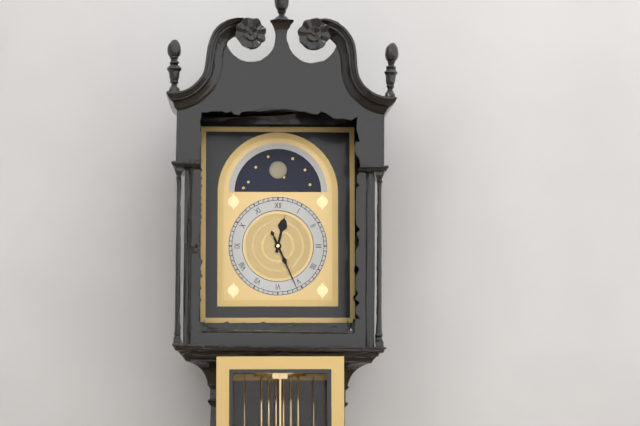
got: 12h26
